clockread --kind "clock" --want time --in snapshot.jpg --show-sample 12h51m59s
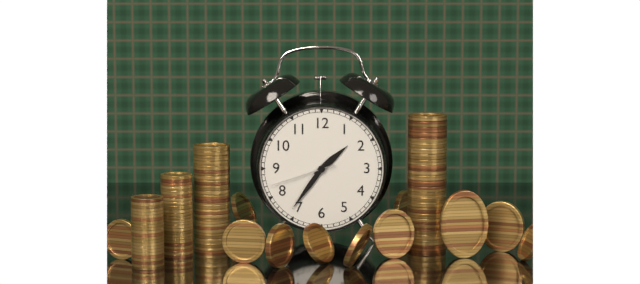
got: 1h36m42s
